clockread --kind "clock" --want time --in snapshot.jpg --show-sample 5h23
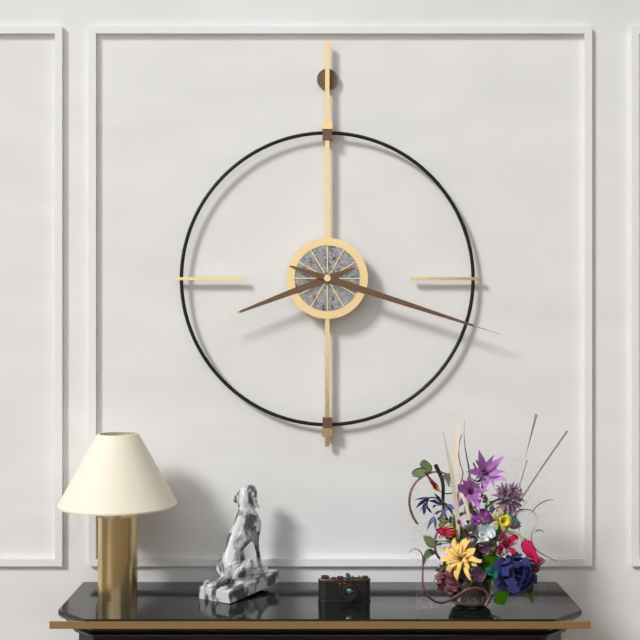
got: 8h18
